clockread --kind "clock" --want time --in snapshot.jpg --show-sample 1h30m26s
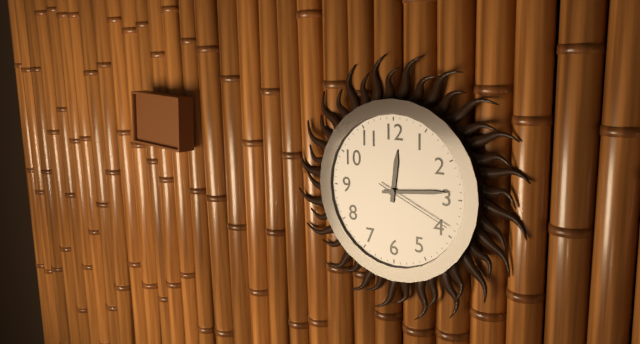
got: 12h14m19s
